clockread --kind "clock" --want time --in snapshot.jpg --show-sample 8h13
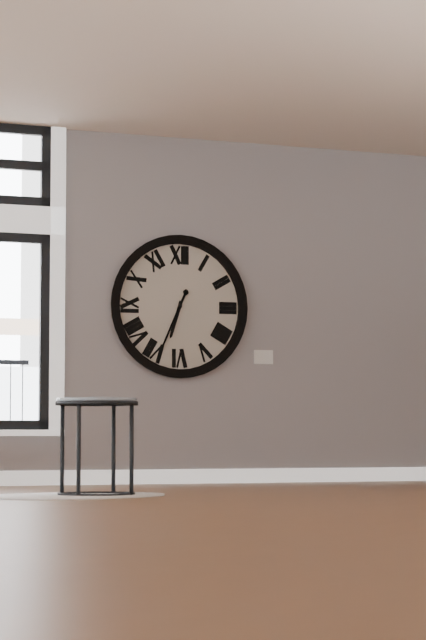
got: 6h34
